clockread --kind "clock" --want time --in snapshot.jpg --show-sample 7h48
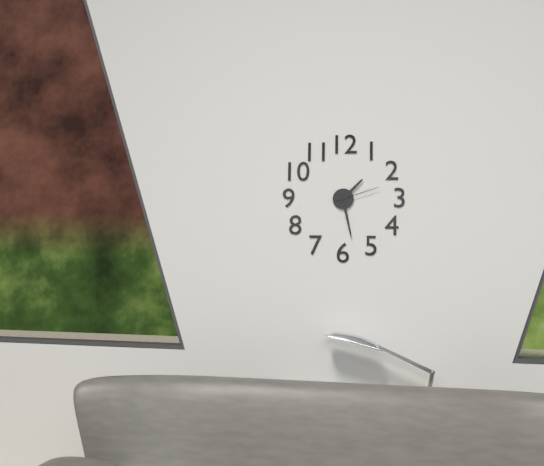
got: 1h28
